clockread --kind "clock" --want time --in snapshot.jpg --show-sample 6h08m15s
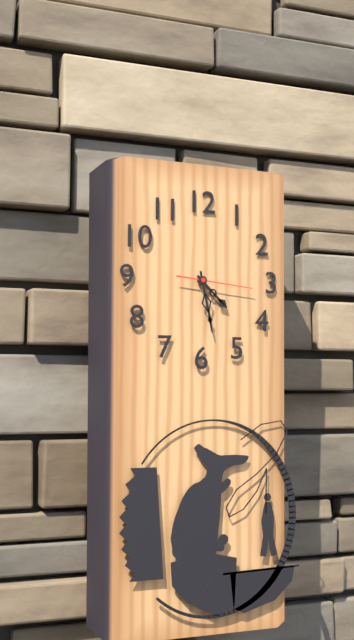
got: 4h28m16s
